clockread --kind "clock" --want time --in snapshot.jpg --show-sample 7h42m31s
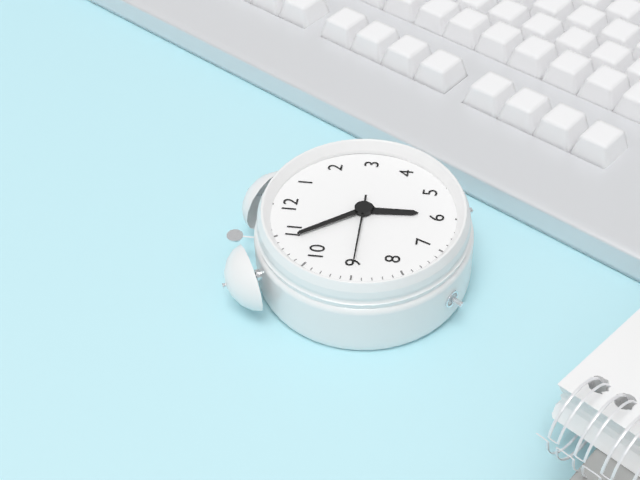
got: 5h54m45s
